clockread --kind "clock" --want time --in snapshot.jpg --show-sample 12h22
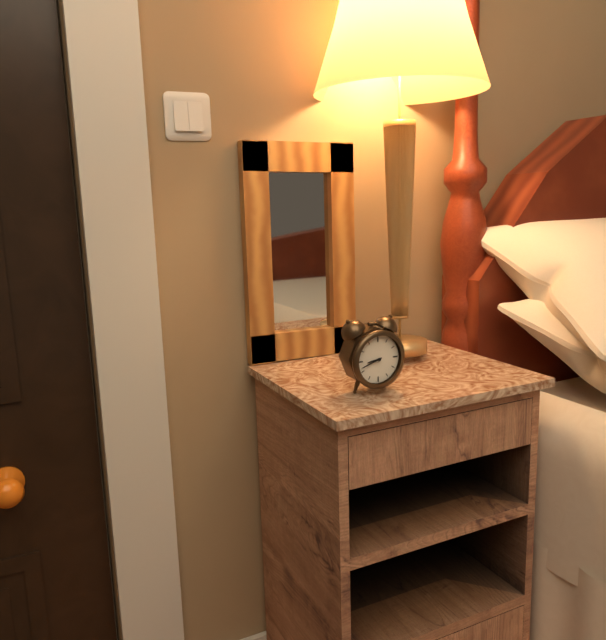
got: 8h42
